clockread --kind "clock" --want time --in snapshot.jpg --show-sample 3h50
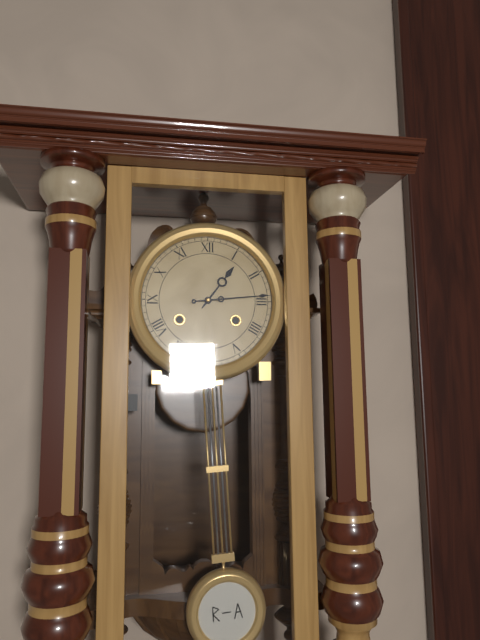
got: 1h14
